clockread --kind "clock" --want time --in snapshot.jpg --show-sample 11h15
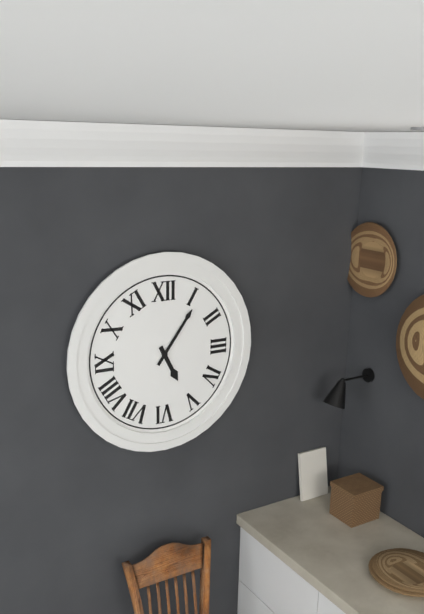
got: 5h06
